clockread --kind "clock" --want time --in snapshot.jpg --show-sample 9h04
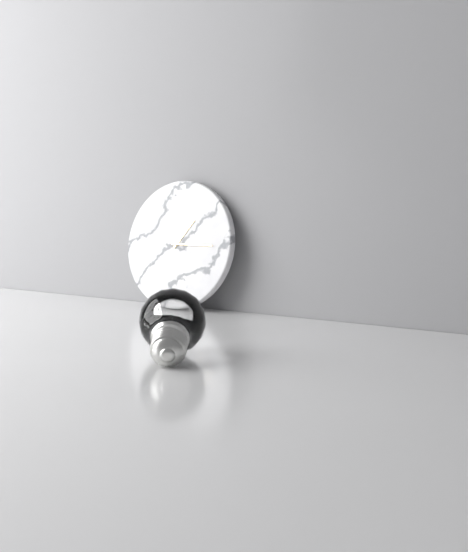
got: 1h15
